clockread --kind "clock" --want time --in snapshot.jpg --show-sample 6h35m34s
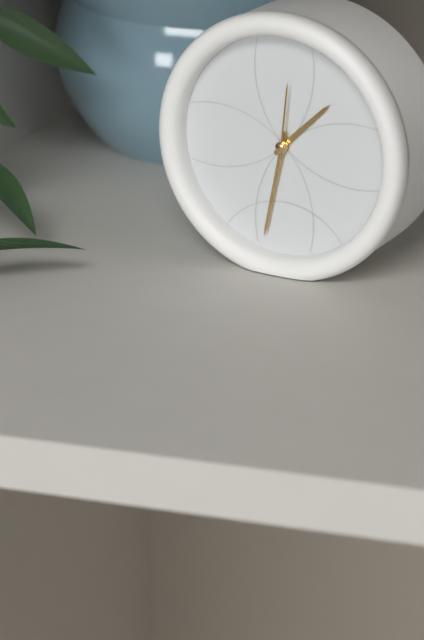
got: 1h32m01s
